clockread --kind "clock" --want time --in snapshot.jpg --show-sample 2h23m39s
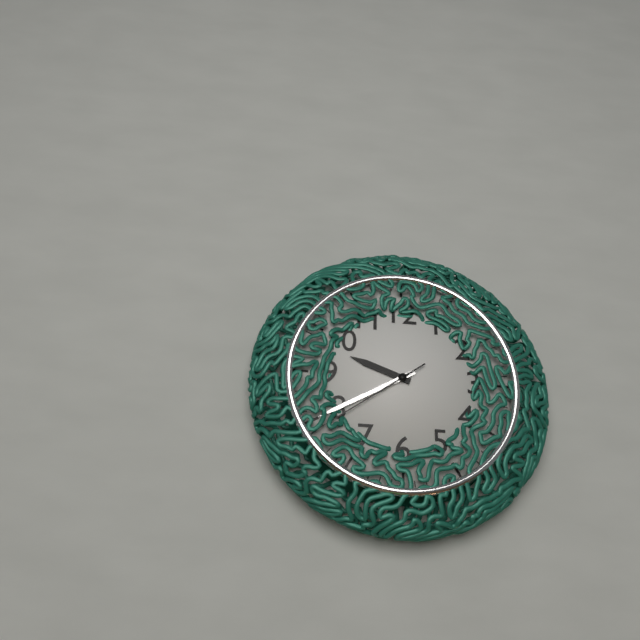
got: 9h40m39s
